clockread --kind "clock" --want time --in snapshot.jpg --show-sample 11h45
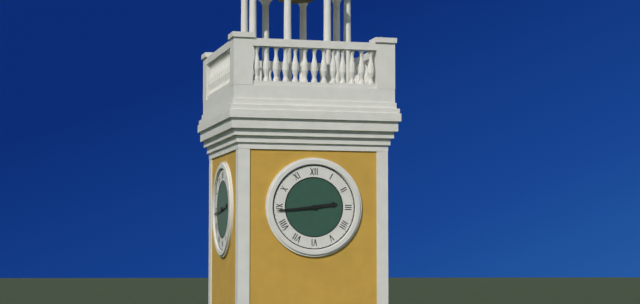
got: 2h44
